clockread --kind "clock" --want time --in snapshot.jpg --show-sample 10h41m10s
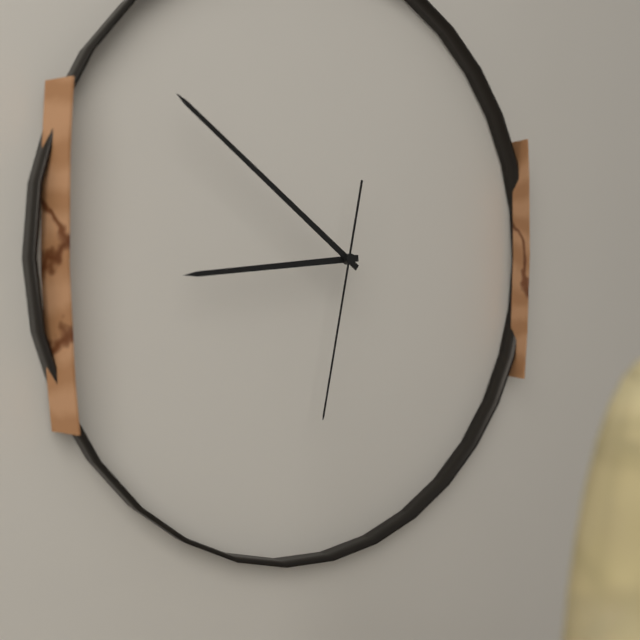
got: 8h51m32s
